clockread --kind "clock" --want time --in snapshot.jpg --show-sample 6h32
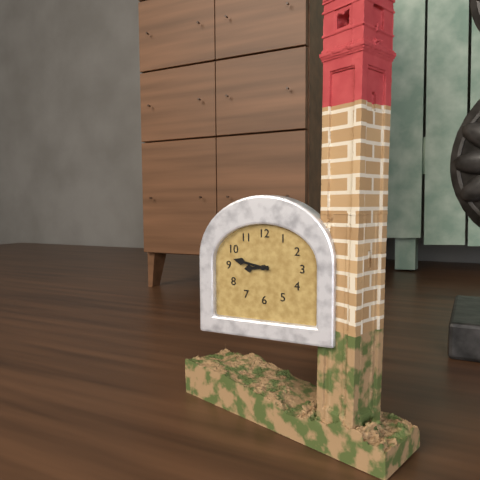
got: 8h47
